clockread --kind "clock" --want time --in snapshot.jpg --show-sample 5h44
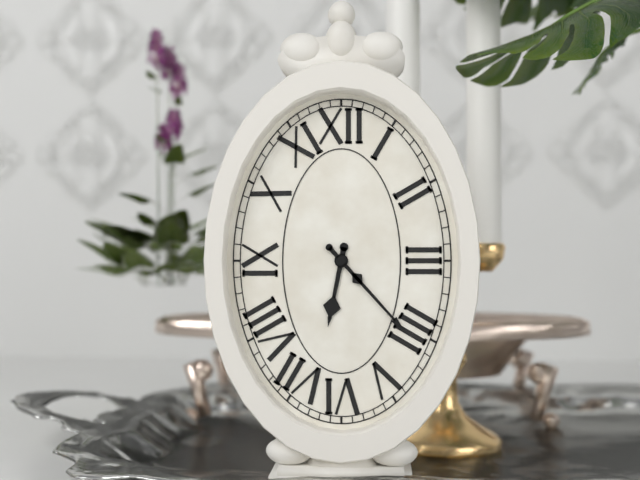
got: 6h23
